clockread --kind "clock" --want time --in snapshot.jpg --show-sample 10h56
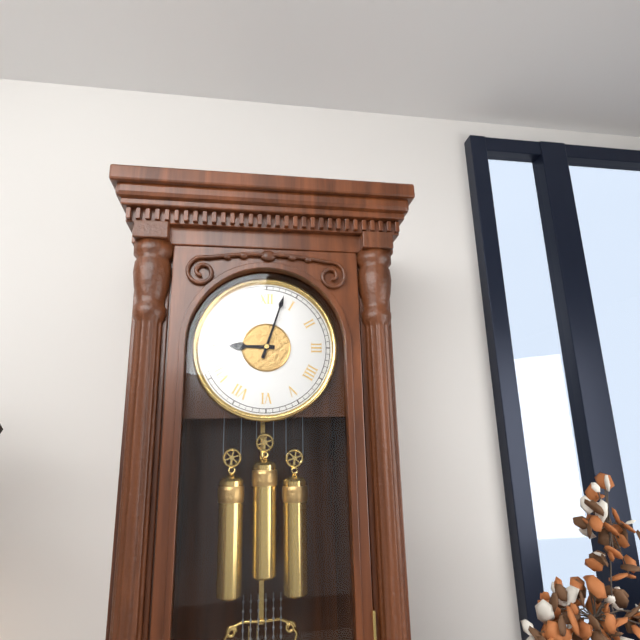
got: 9h03
